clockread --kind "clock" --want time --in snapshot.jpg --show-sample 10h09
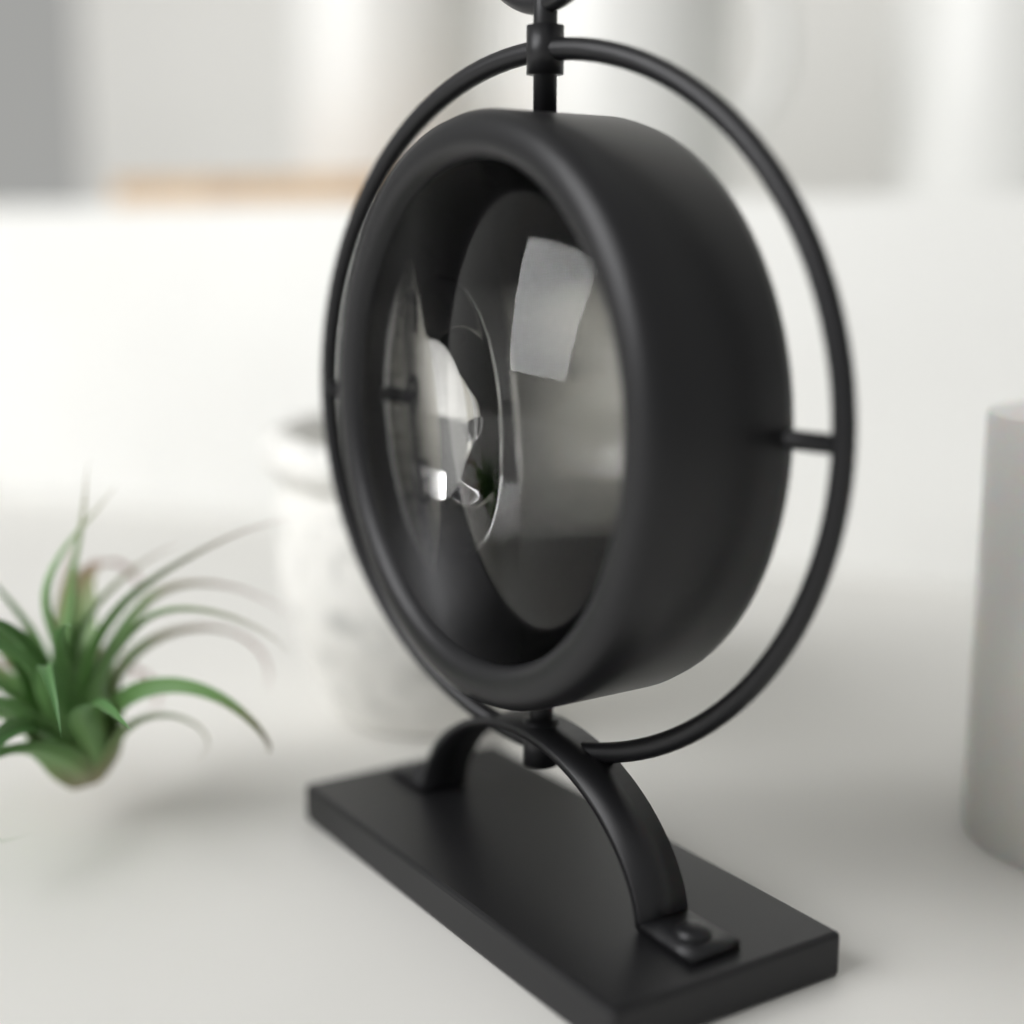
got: 10h11
